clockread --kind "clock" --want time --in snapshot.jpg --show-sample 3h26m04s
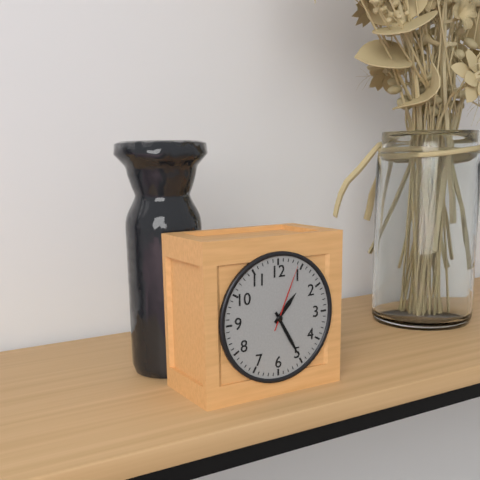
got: 1h25m04s
